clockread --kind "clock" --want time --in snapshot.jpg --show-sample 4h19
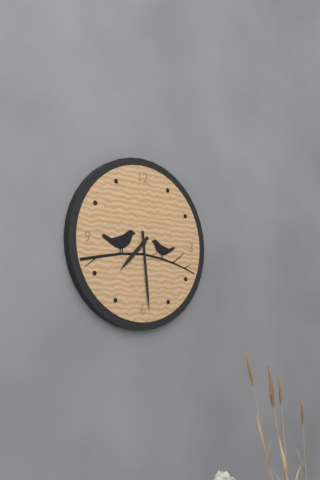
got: 7h29
